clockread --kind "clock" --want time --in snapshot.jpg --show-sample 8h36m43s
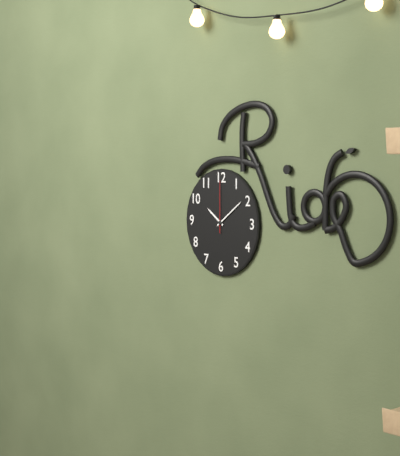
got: 10h09m00s
